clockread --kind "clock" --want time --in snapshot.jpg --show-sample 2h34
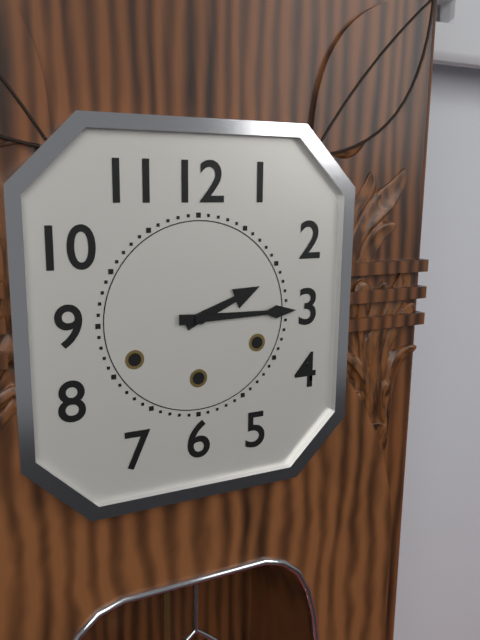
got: 2h15
